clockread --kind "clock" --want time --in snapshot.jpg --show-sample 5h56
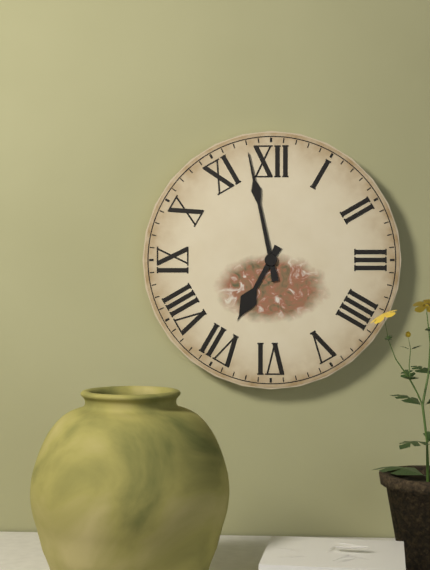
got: 6h58
